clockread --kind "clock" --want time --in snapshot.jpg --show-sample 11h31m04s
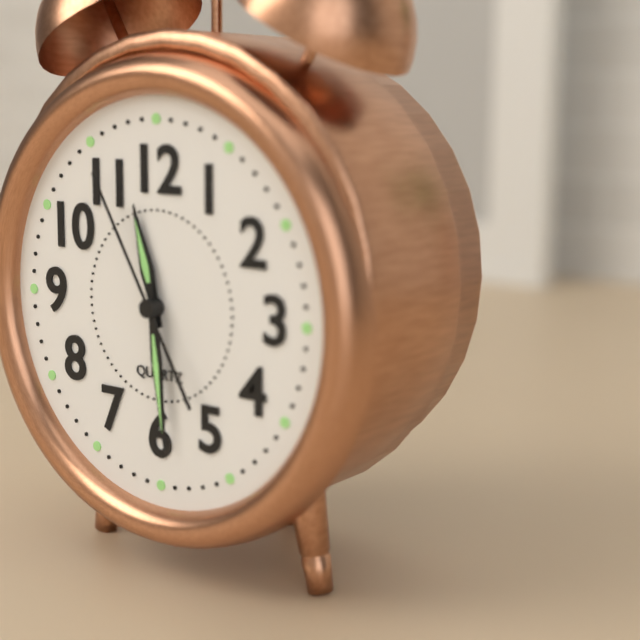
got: 11h29m55s
